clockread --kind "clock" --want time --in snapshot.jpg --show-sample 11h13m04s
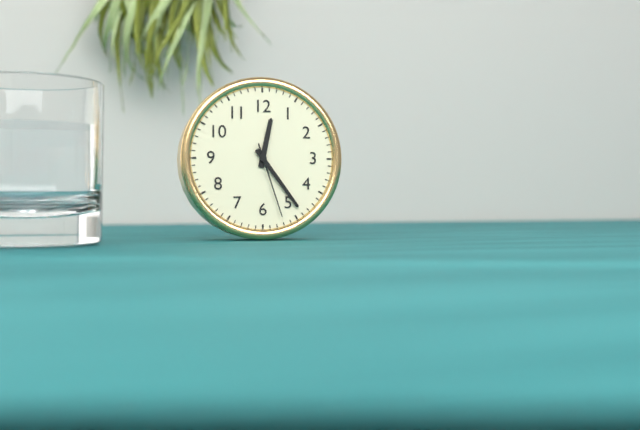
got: 12h24m27s
